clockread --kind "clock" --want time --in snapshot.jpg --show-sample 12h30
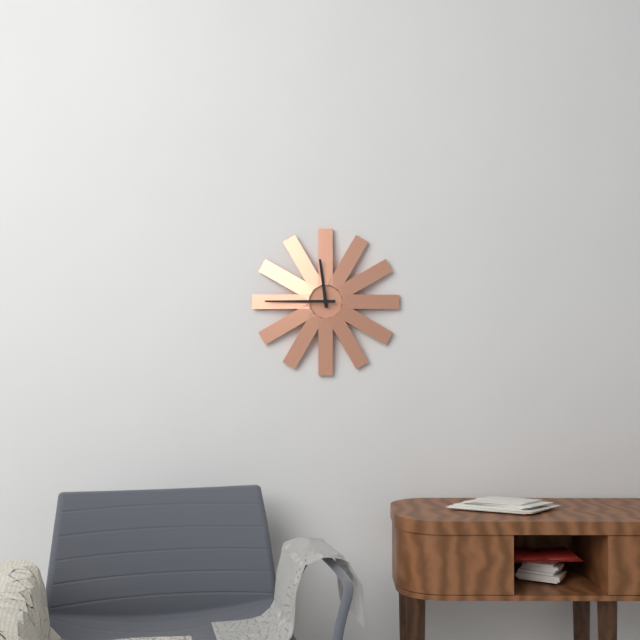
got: 11h45
